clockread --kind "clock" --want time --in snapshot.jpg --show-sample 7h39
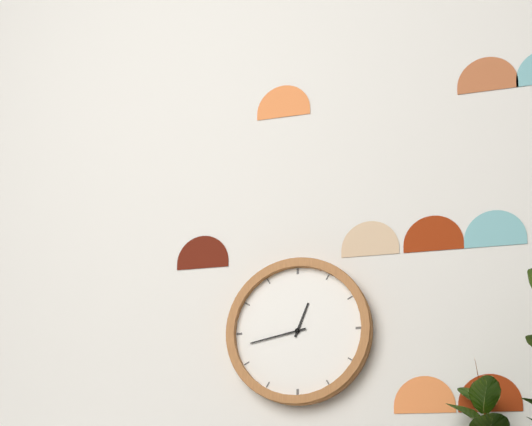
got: 12h43
